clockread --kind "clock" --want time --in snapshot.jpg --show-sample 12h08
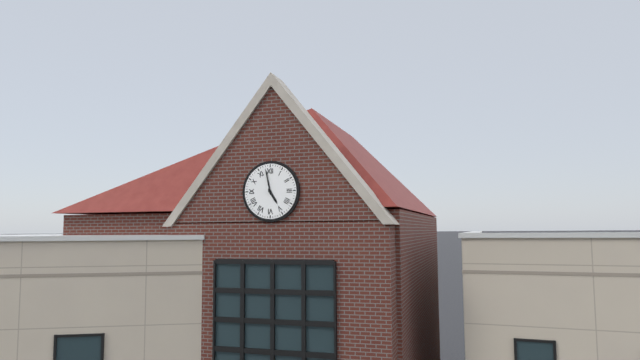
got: 4h58
